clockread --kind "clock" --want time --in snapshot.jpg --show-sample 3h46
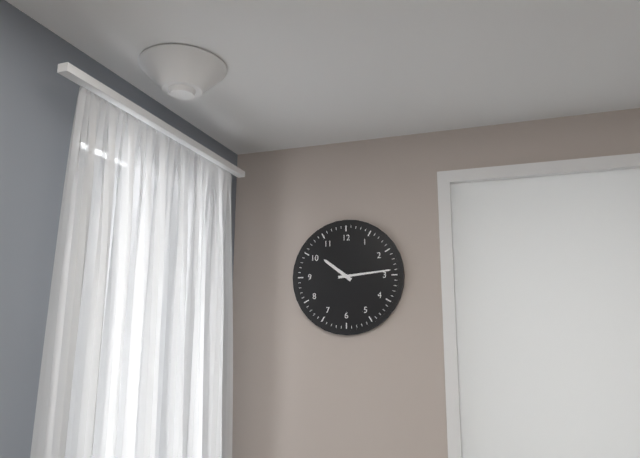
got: 10h14
